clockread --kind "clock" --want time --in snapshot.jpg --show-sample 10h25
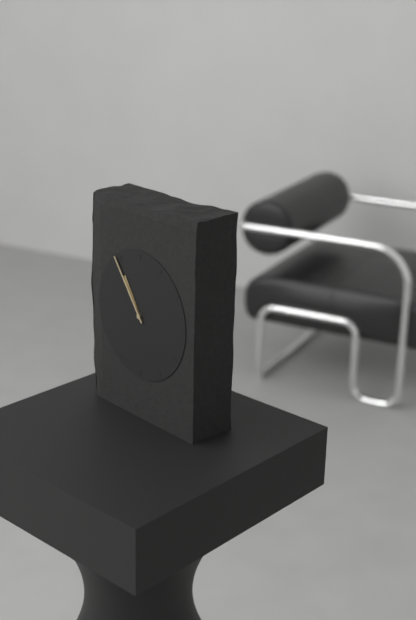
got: 10h54
